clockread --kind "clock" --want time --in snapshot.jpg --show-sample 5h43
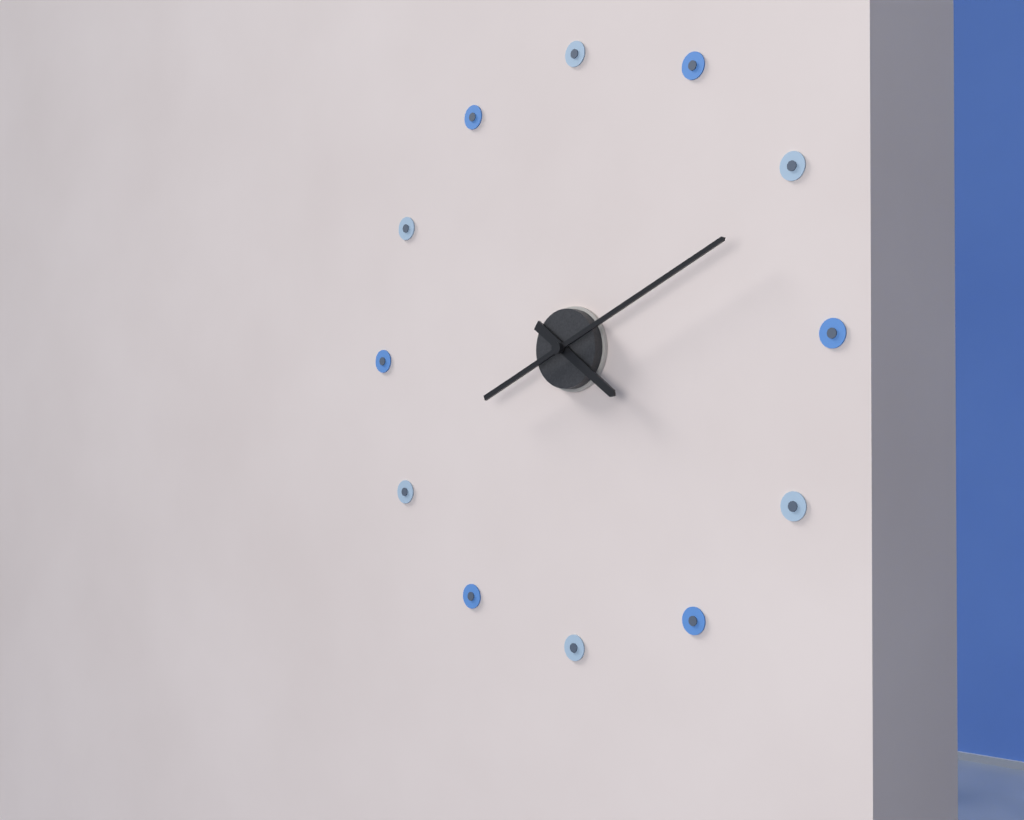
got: 4h11
